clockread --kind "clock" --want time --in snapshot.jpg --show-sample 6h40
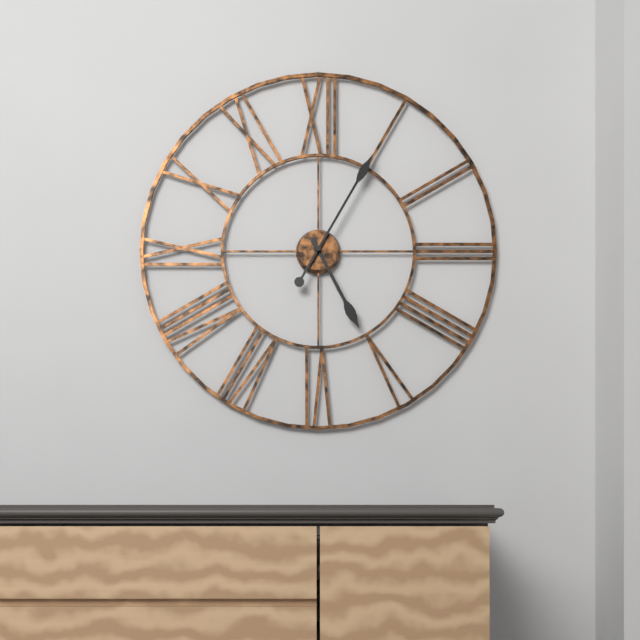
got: 5h05
